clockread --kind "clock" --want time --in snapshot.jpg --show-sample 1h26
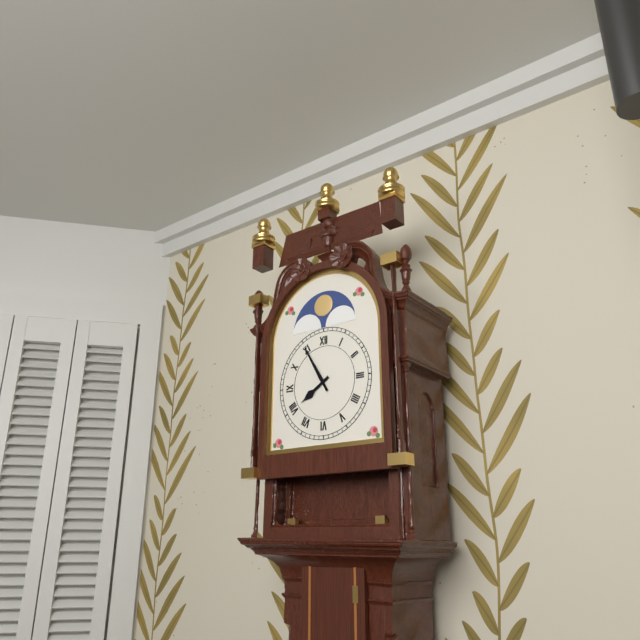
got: 7h55
